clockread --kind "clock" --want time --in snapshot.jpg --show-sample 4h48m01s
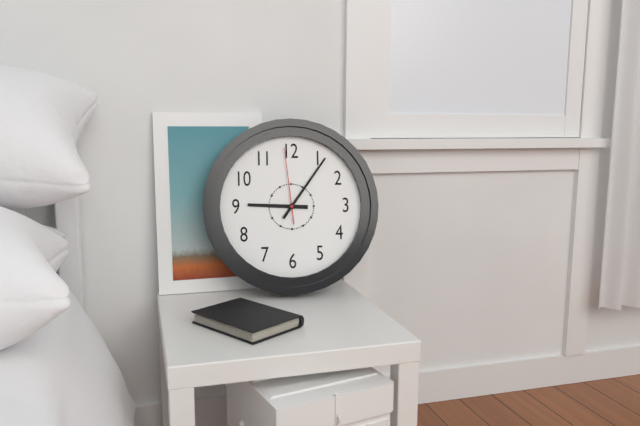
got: 9h06m59s
